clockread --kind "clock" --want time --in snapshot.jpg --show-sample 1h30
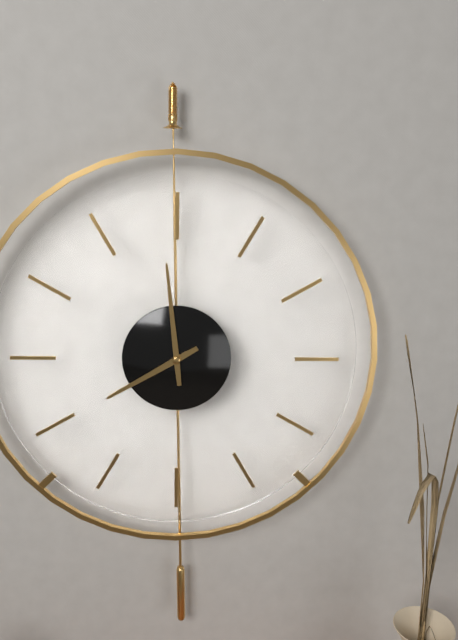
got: 7h59
